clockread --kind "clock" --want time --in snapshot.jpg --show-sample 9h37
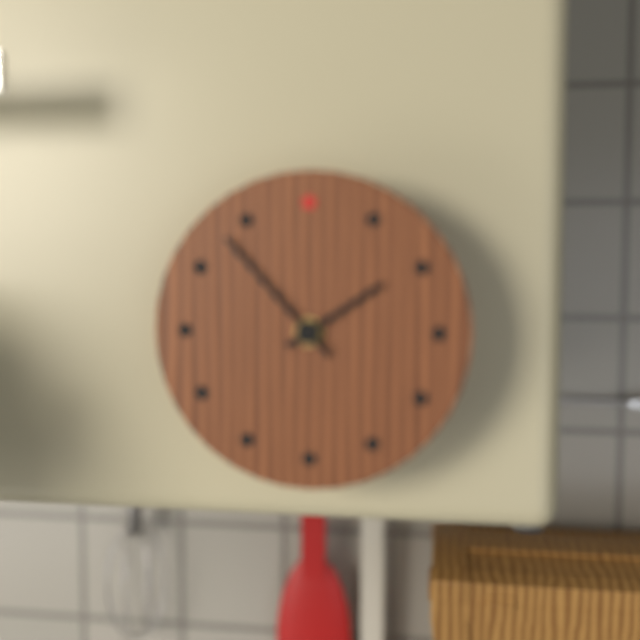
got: 1h53
